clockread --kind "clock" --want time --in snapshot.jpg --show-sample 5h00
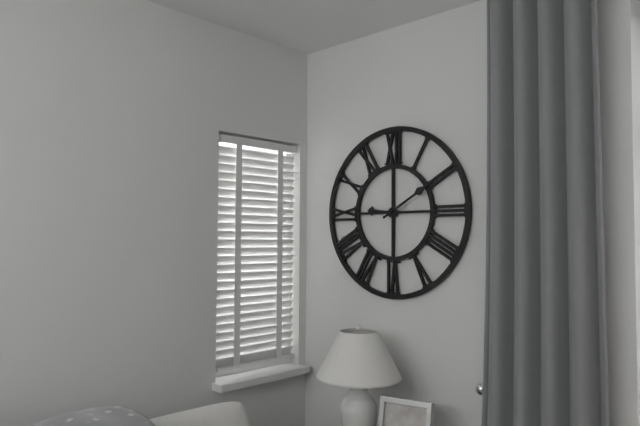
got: 9h10
